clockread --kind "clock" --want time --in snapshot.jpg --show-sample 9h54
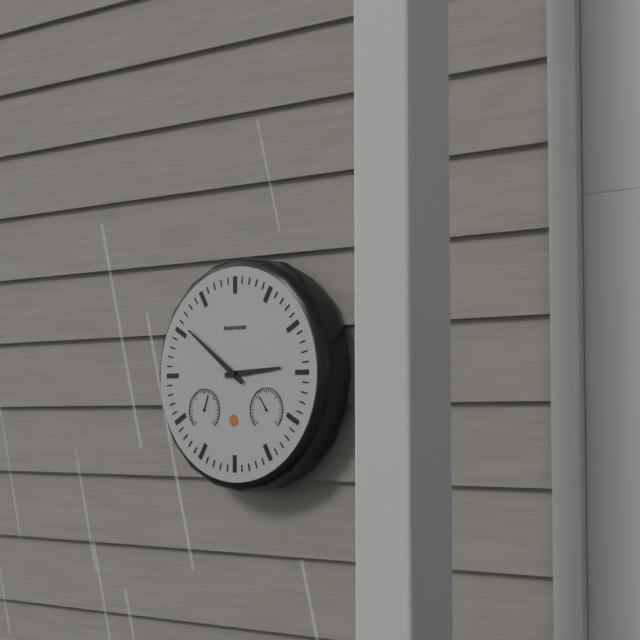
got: 2h51
